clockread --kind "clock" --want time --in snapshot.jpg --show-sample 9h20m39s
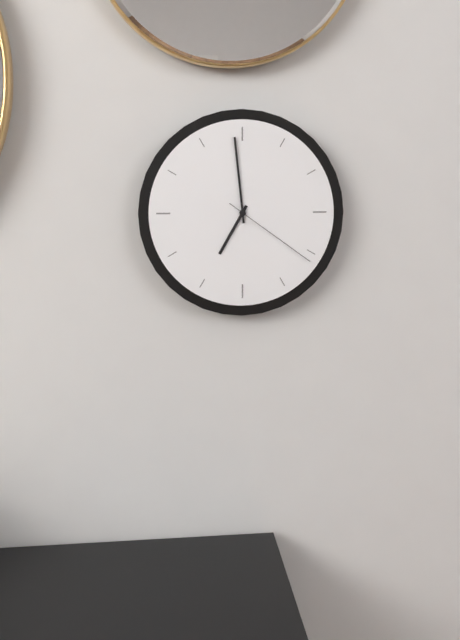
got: 6h59m21s
